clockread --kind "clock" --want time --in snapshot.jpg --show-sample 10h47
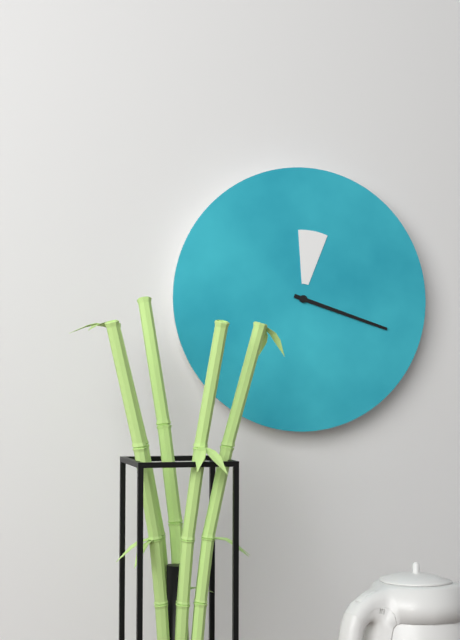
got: 12h18
